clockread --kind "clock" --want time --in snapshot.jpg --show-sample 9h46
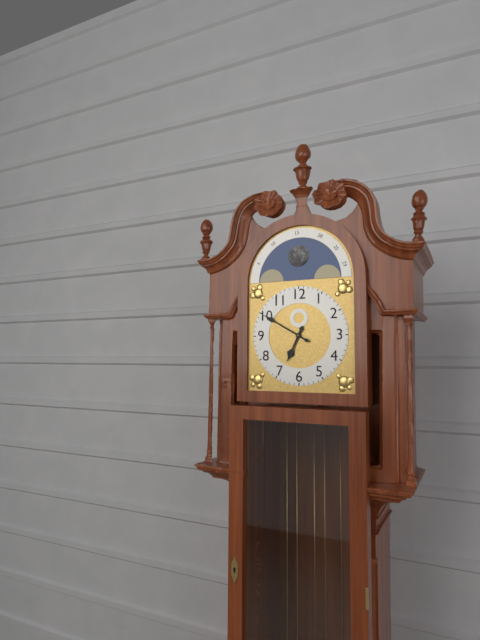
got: 6h50
